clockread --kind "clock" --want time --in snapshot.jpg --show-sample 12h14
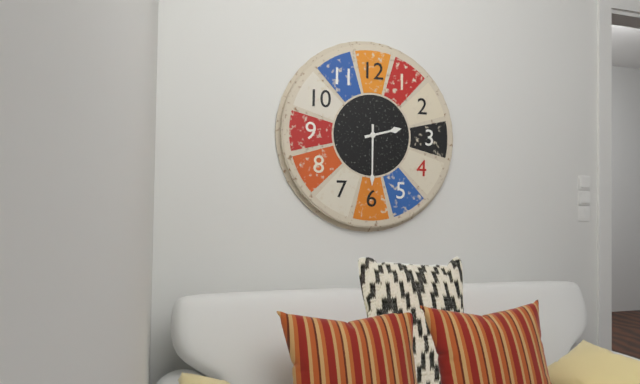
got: 2h30
